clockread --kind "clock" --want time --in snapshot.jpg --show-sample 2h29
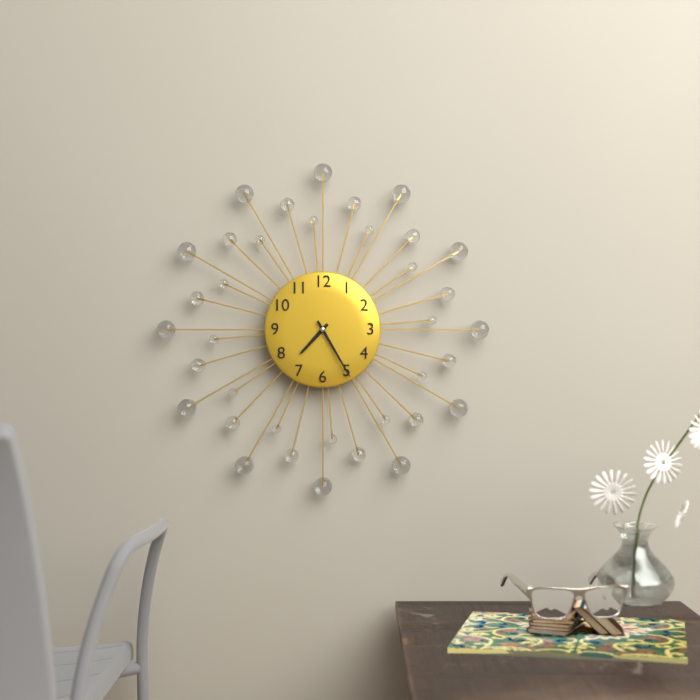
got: 7h25
